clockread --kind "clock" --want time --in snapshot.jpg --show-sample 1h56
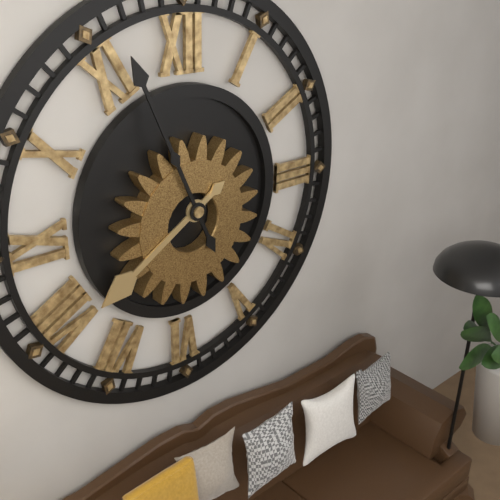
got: 7h56
